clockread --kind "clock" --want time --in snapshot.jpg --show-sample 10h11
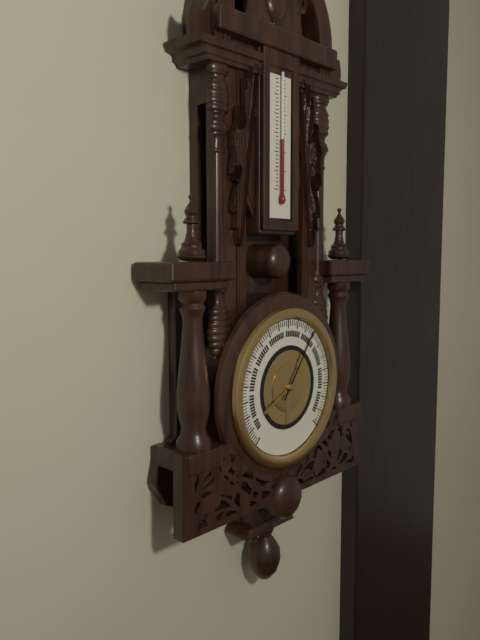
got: 8h06
